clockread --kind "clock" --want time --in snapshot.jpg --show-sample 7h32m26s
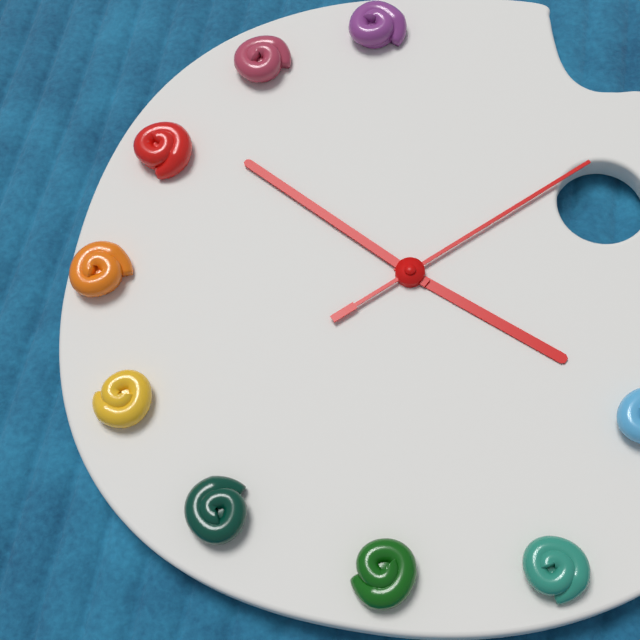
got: 3h50m08s
